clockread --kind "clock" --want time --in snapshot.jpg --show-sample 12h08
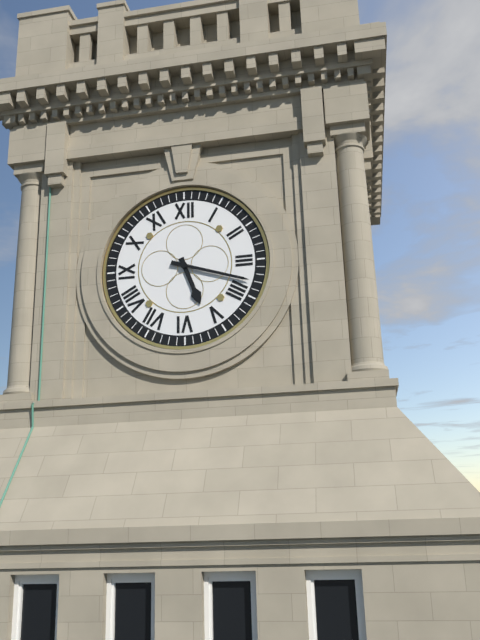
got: 5h18
